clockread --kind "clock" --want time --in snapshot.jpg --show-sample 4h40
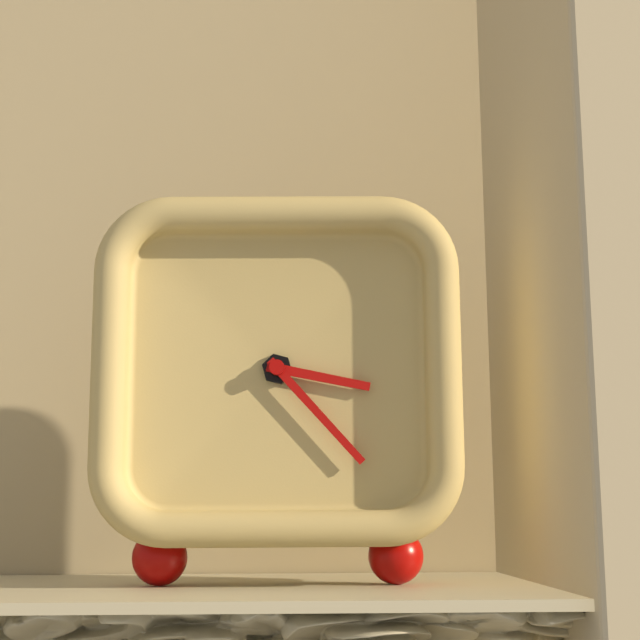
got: 3h23
